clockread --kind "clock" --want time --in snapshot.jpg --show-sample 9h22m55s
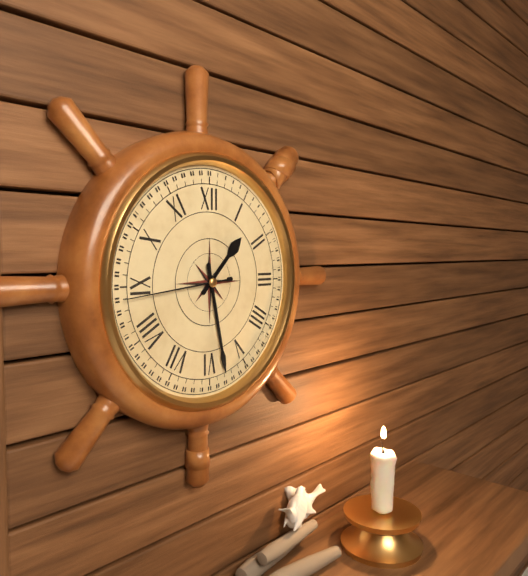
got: 1h28m44s
